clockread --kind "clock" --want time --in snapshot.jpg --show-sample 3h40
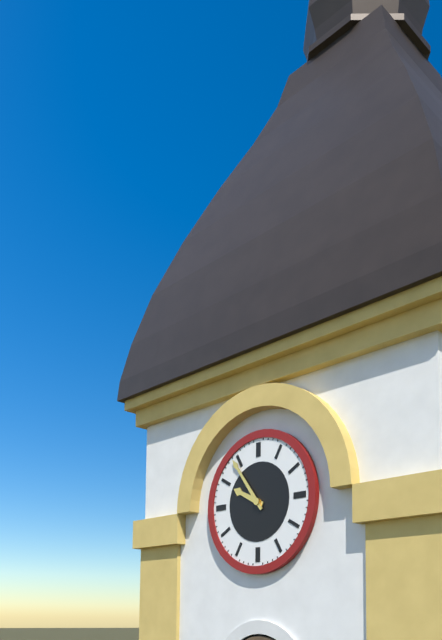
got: 9h54
